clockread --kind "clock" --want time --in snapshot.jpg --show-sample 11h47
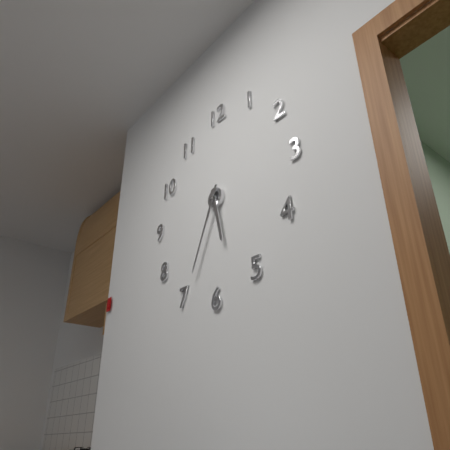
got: 5h34
